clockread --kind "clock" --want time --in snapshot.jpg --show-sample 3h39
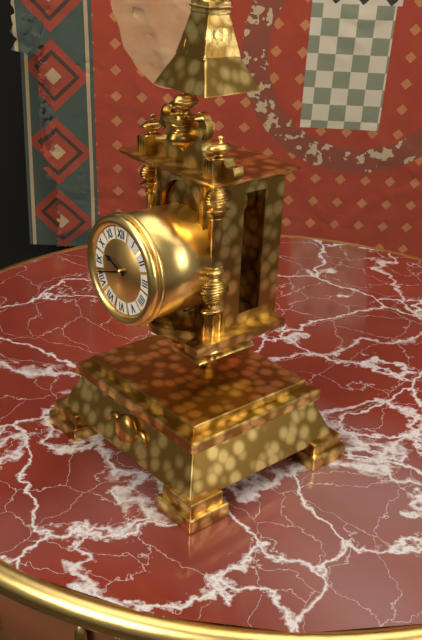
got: 9h42
